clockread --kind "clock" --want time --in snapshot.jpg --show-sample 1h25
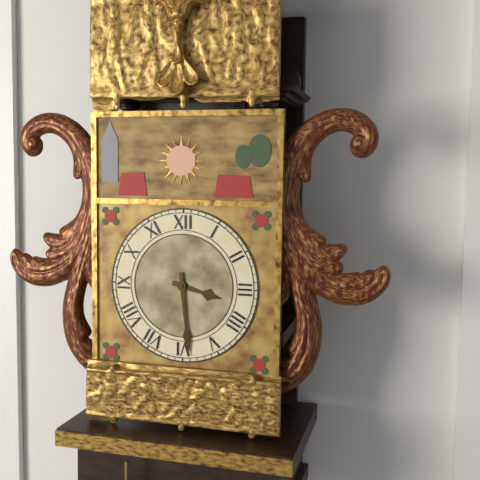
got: 3h29
